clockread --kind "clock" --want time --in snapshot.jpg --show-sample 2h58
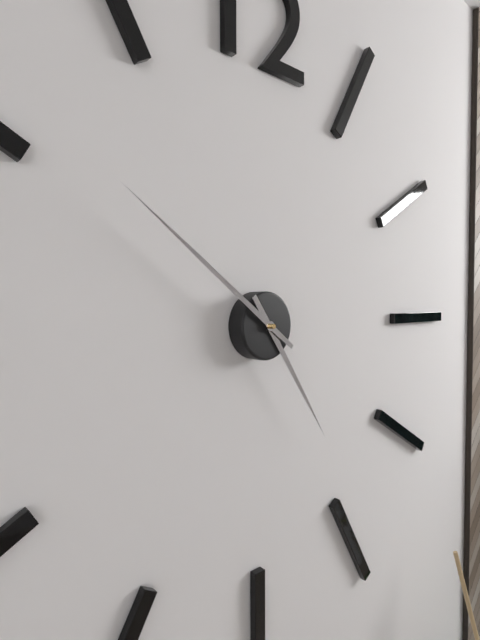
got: 4h51
